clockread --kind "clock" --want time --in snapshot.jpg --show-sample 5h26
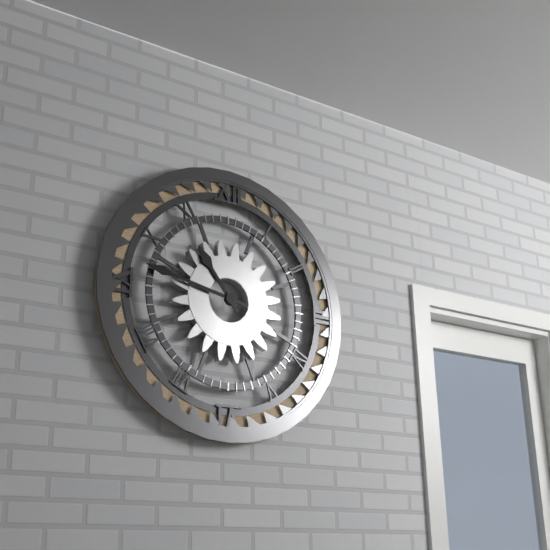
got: 10h47
